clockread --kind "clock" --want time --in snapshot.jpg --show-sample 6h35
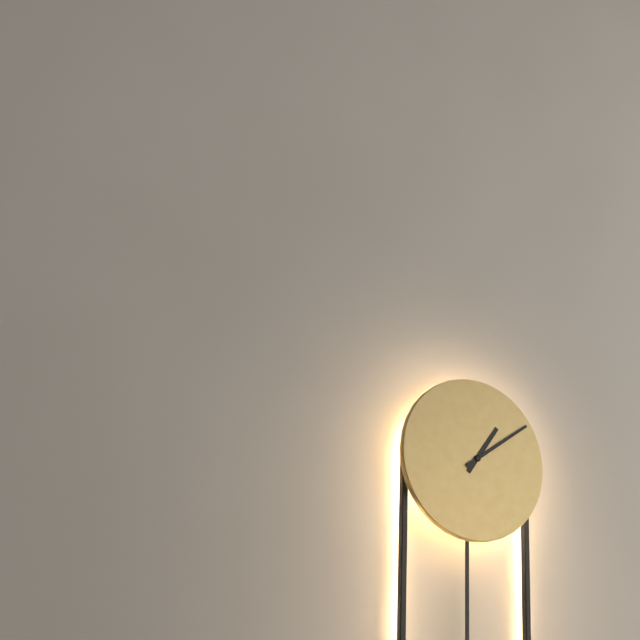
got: 1h09
